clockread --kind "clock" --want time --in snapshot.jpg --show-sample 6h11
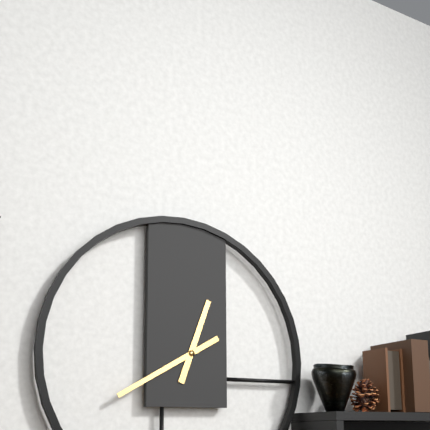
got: 12h40
